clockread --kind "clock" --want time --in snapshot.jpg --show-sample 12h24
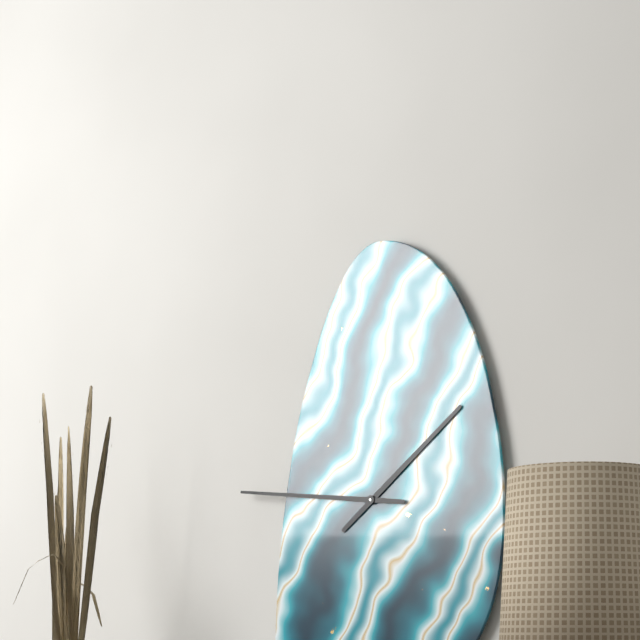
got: 1h46
